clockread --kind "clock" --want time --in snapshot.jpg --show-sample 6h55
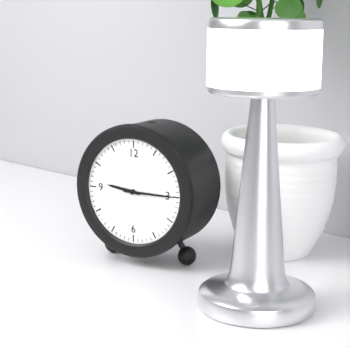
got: 9h15
